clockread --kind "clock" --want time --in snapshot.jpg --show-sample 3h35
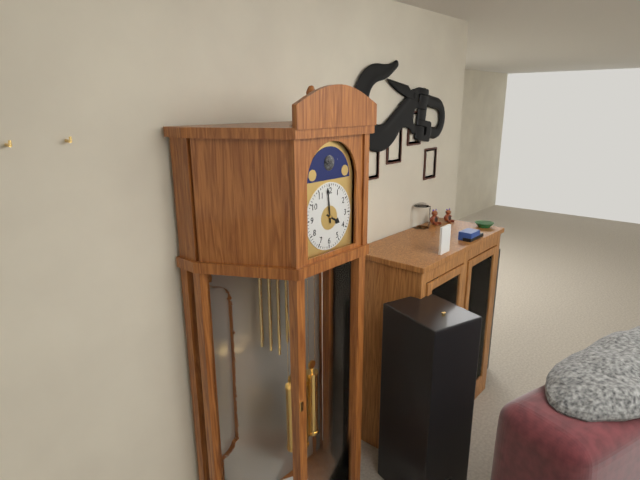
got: 3h59
